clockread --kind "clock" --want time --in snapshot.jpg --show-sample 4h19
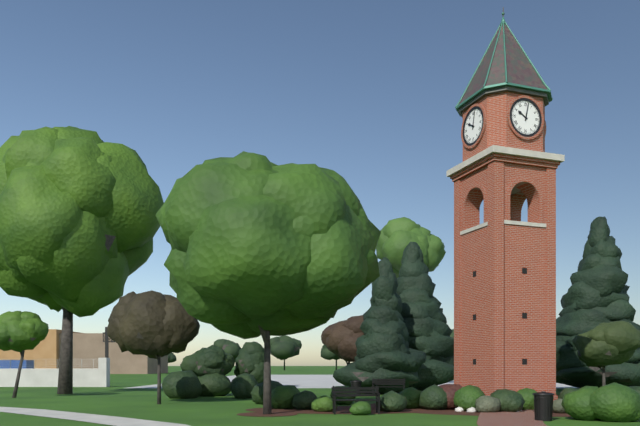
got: 10h02
